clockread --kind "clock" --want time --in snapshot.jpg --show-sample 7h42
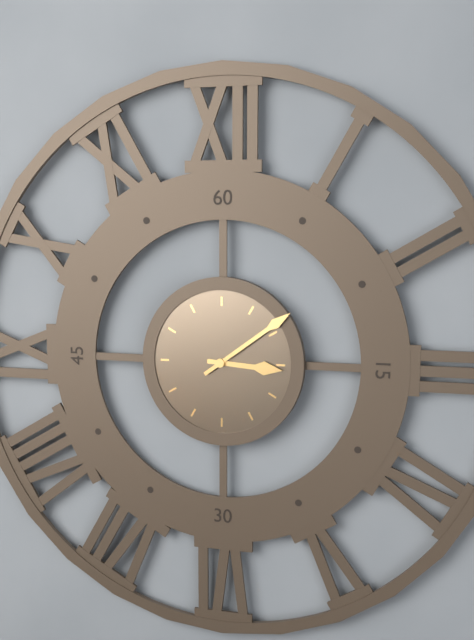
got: 3h09
